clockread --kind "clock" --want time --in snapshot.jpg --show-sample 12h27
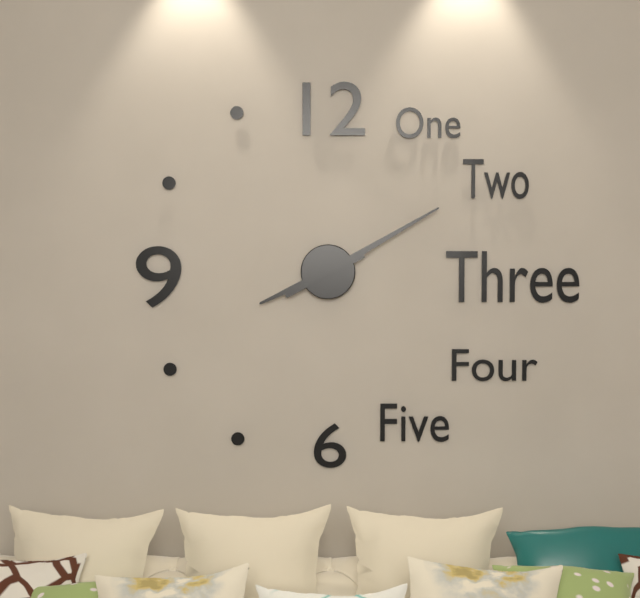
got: 8h10
